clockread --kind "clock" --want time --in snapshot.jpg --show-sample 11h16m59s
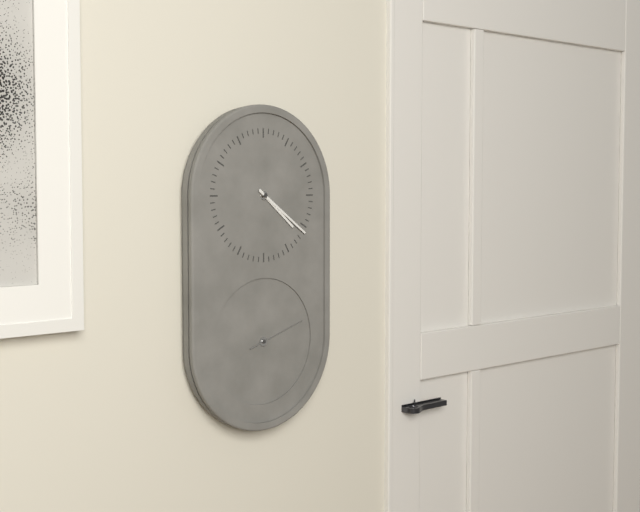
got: 4h21m12s
